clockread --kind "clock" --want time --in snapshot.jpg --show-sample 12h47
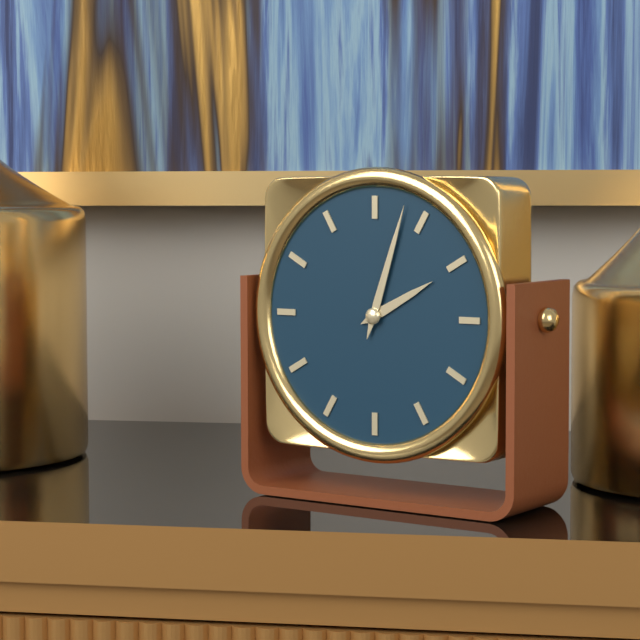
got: 2h03
